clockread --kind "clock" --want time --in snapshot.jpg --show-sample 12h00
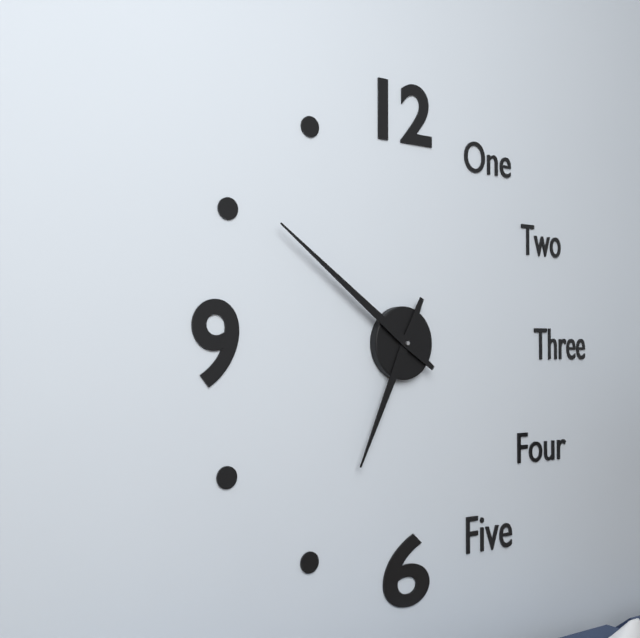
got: 6h51
